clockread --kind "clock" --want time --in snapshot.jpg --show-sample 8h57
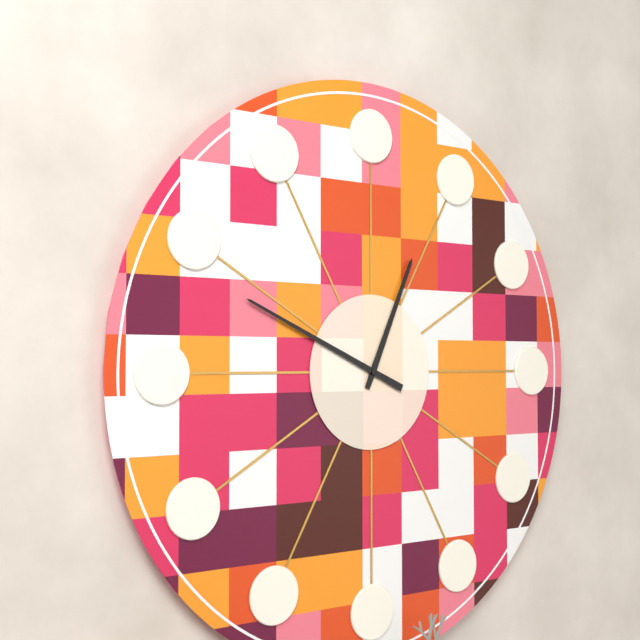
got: 12h49
